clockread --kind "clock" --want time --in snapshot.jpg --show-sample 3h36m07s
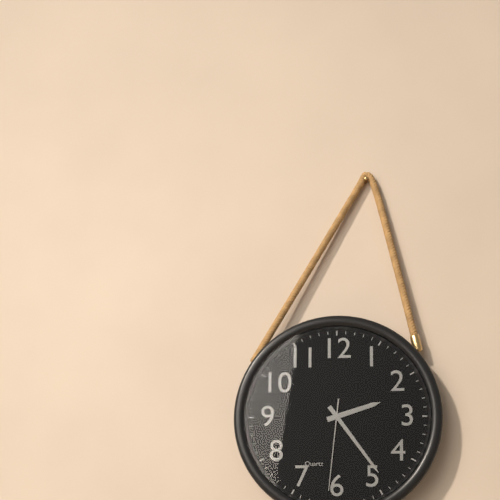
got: 2h24m31s
